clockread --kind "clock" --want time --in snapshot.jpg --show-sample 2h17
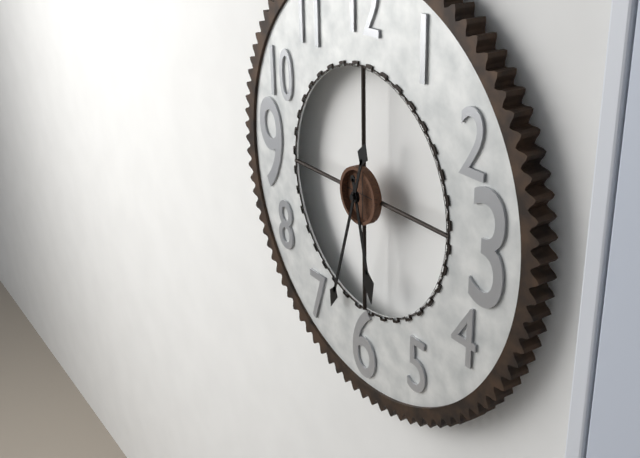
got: 5h33
